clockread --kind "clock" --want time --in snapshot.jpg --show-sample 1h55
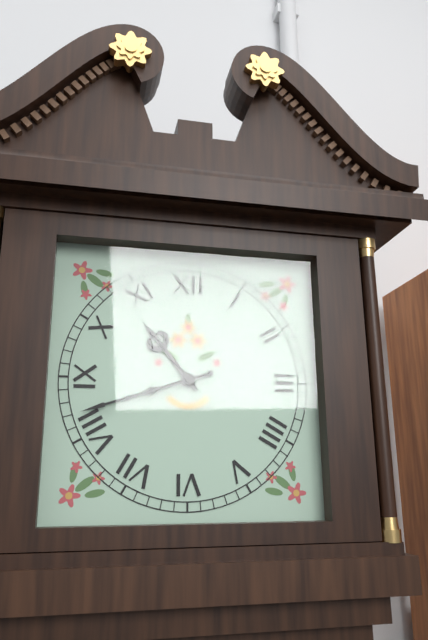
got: 10h42
